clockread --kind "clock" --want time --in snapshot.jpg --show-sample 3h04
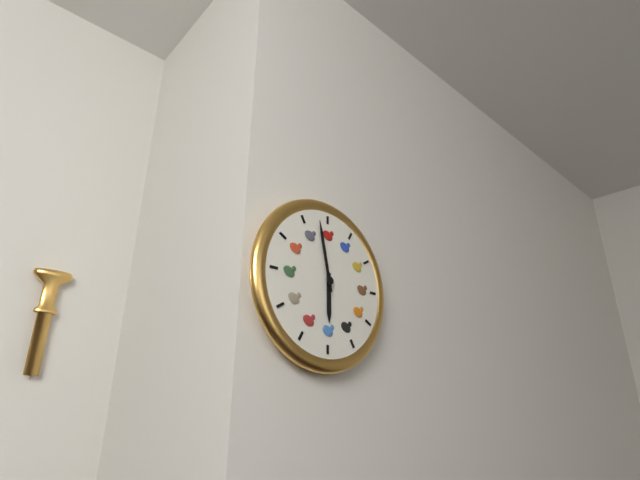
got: 5h58
